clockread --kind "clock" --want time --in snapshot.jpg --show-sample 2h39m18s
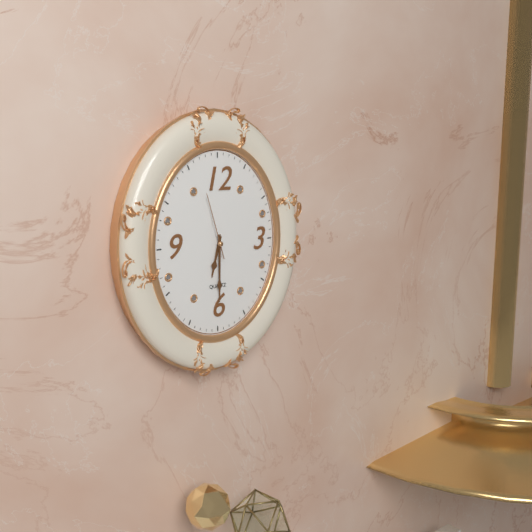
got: 6h30m57s
